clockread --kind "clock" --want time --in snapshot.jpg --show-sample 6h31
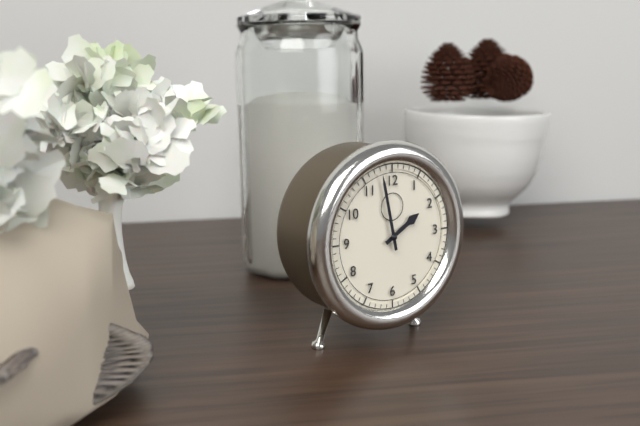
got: 1h58
